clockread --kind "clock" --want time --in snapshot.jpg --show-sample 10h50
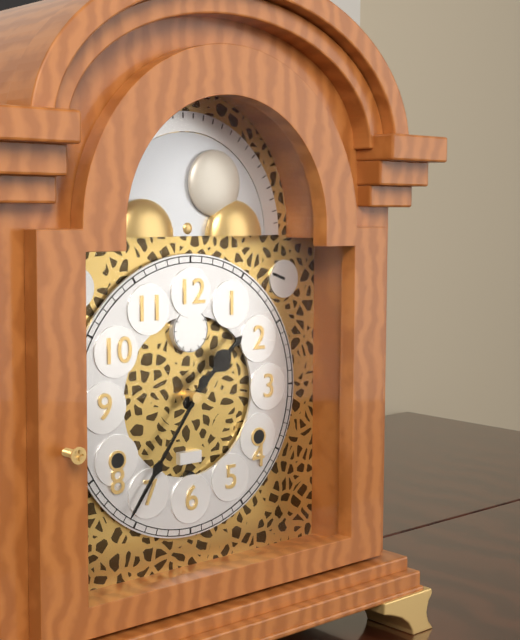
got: 1h36
